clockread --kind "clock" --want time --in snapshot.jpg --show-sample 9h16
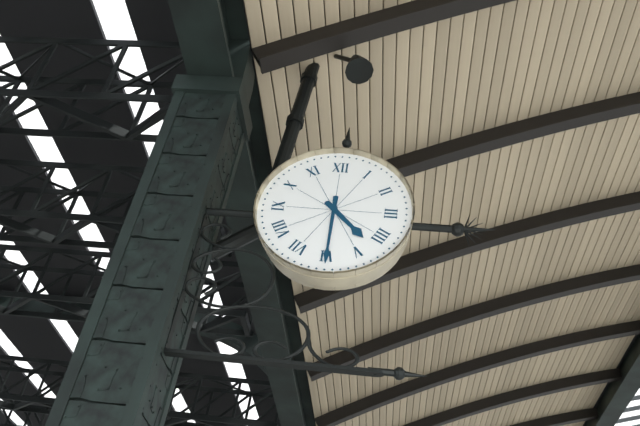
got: 4h30
